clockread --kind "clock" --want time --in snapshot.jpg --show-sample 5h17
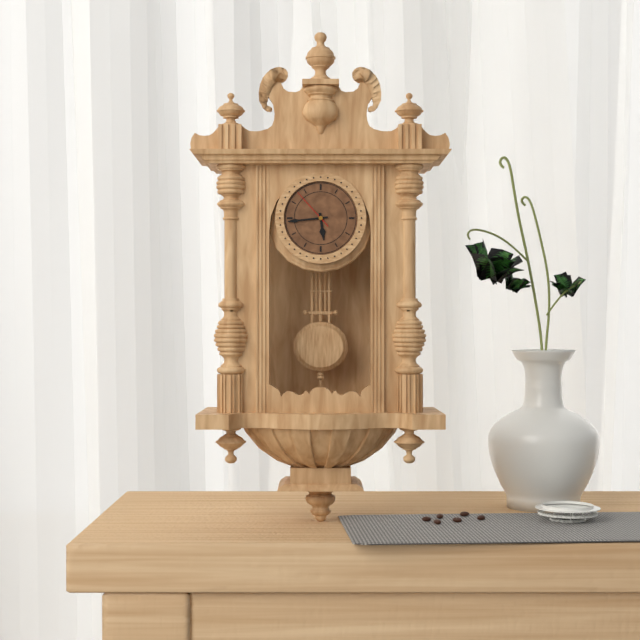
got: 5h44
